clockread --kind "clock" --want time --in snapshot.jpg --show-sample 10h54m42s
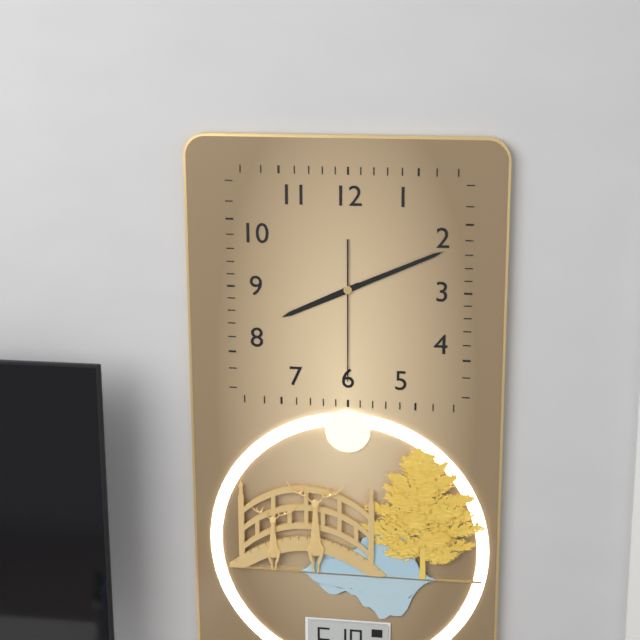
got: 8h11m30s
